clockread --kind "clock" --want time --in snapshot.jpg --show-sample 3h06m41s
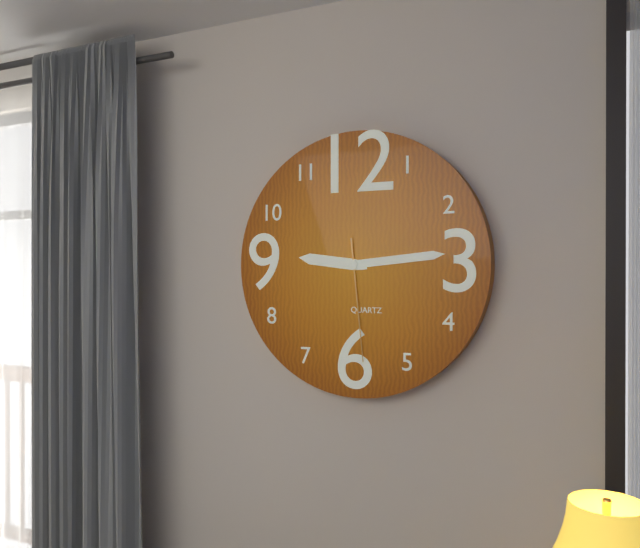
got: 9h14m29s
